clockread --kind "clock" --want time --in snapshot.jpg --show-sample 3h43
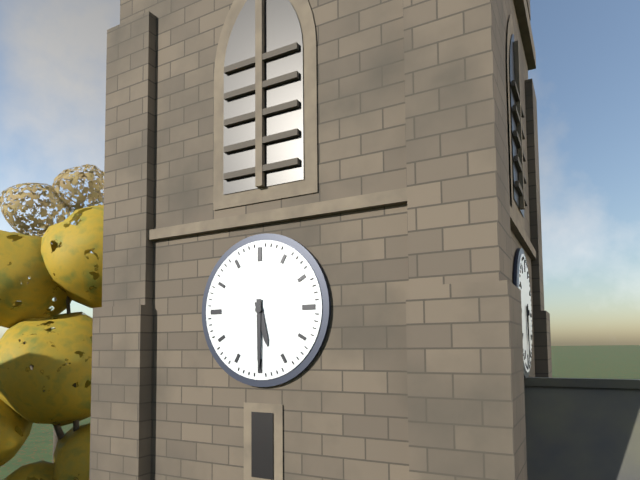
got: 5h30
